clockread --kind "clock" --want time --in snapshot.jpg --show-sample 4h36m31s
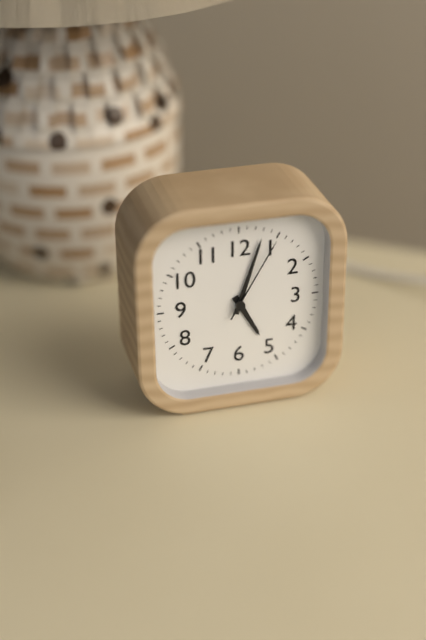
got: 5h03m05s
